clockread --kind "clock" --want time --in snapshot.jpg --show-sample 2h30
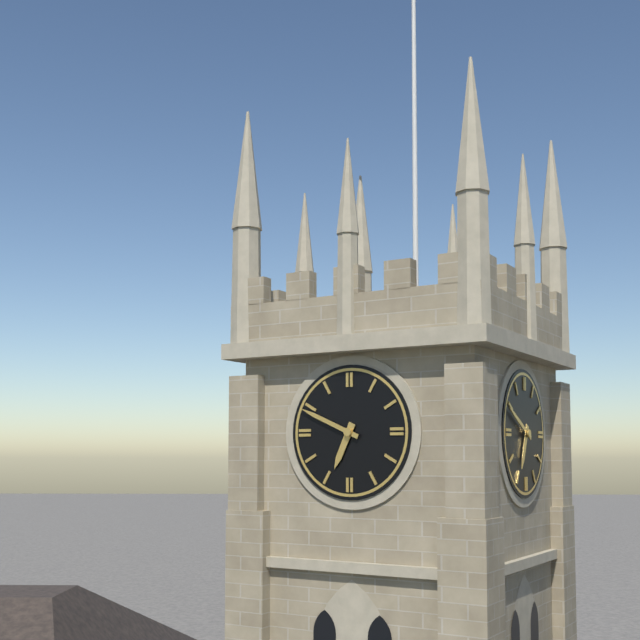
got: 6h49
